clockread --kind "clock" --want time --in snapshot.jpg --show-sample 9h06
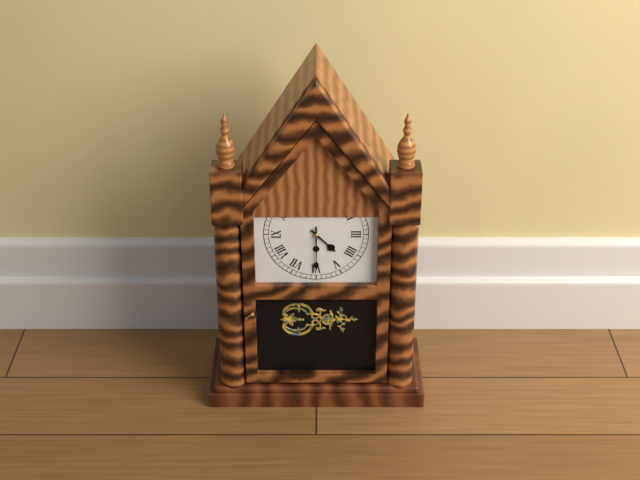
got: 4h30
